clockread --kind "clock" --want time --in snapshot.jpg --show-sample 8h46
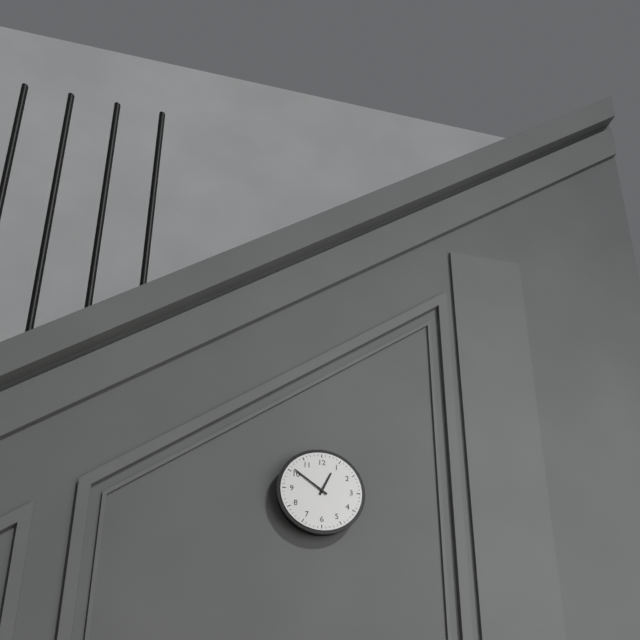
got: 12h51
